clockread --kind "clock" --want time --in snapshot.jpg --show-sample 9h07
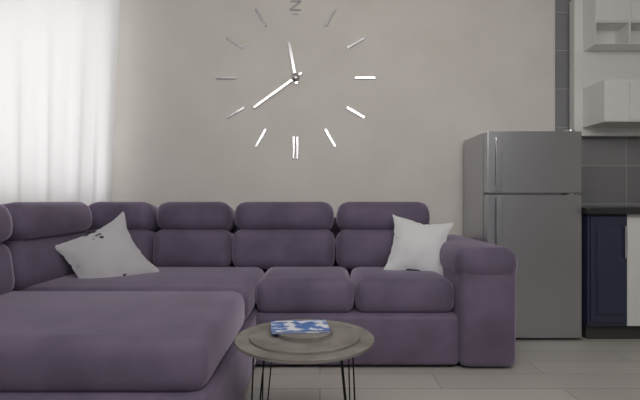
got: 11h39
